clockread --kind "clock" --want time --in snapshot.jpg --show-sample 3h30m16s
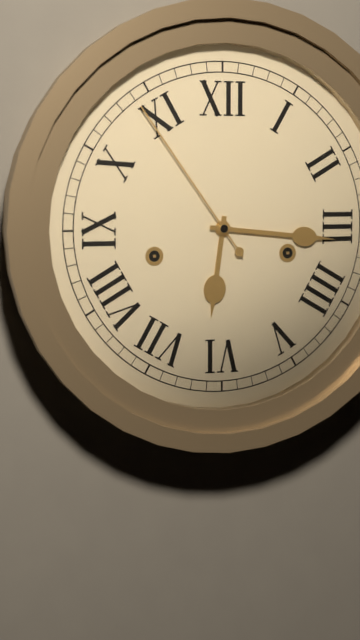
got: 6h16m54s
